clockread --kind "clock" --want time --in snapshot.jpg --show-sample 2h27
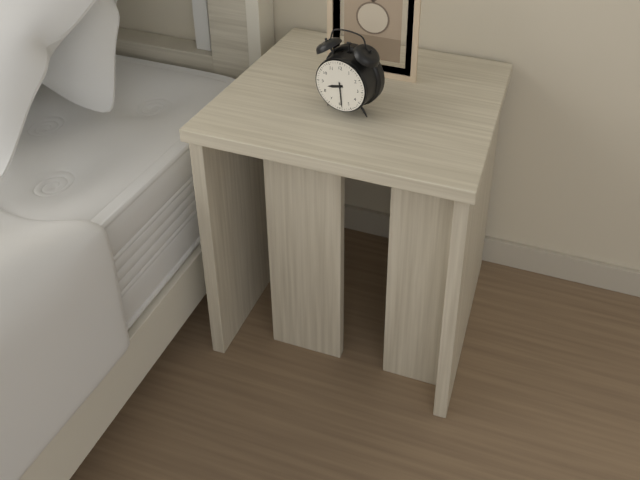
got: 8h29
